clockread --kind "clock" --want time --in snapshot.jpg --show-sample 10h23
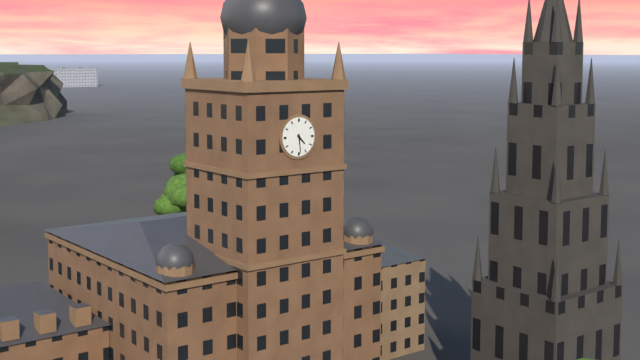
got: 4h29
